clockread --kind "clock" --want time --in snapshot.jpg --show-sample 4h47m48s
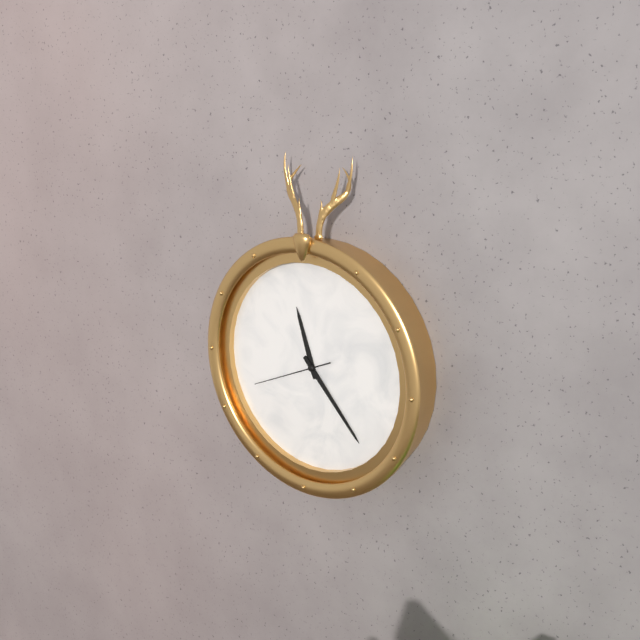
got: 11h23m41s
